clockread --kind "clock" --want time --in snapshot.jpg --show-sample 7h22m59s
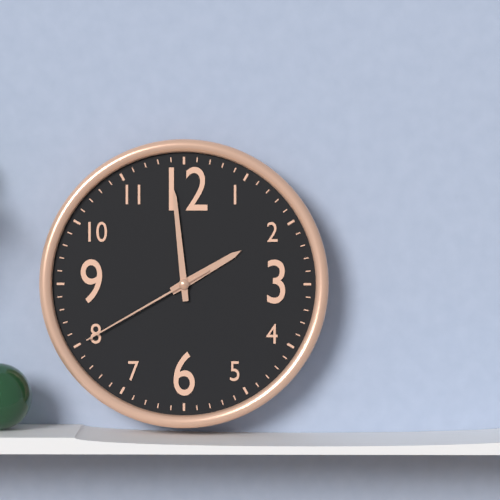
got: 1h59m40s
